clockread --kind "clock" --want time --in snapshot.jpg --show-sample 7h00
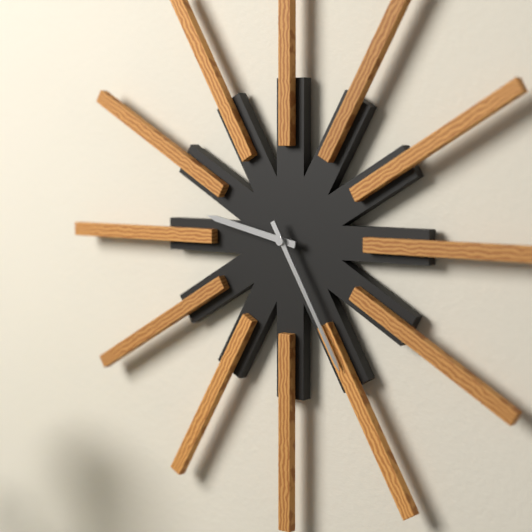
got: 9h25
